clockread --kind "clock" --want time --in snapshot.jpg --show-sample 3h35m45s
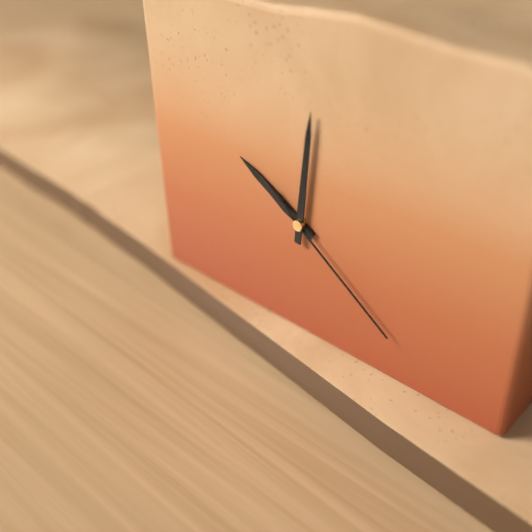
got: 10h01m21s
